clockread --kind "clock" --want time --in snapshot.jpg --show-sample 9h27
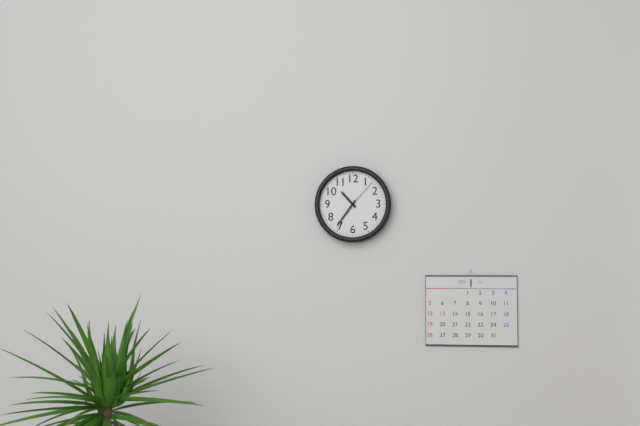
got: 10h36
